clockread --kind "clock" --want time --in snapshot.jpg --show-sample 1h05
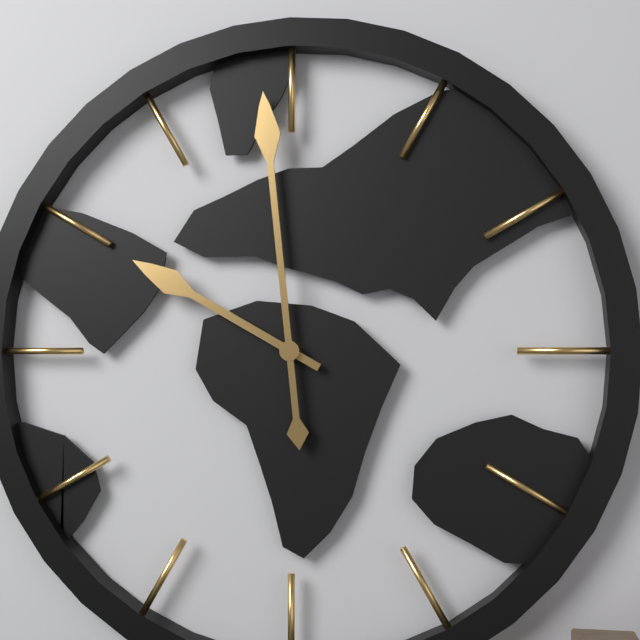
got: 9h59
